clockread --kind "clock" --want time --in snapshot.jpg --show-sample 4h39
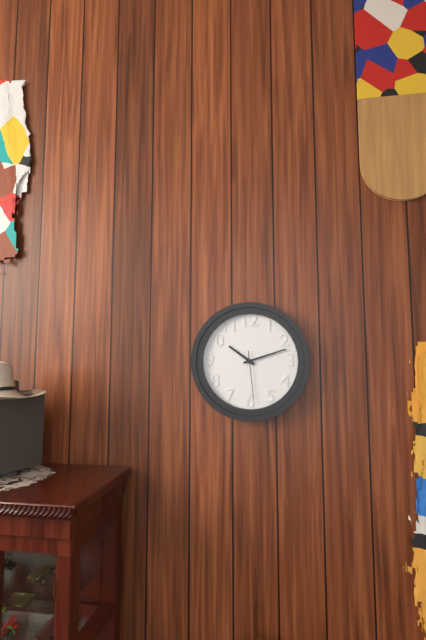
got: 10h12
